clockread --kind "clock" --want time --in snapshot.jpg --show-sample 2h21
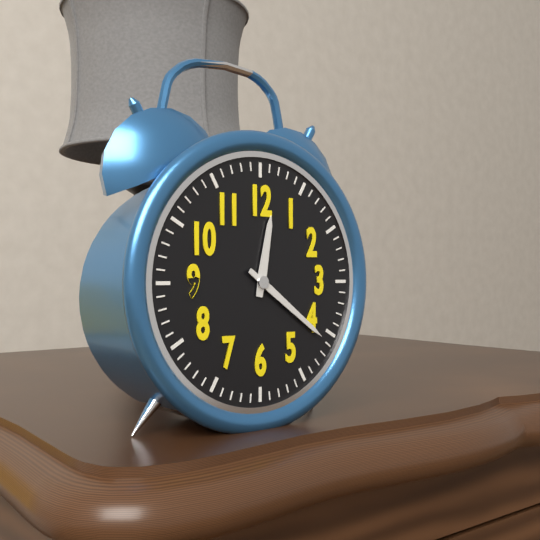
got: 12h21
